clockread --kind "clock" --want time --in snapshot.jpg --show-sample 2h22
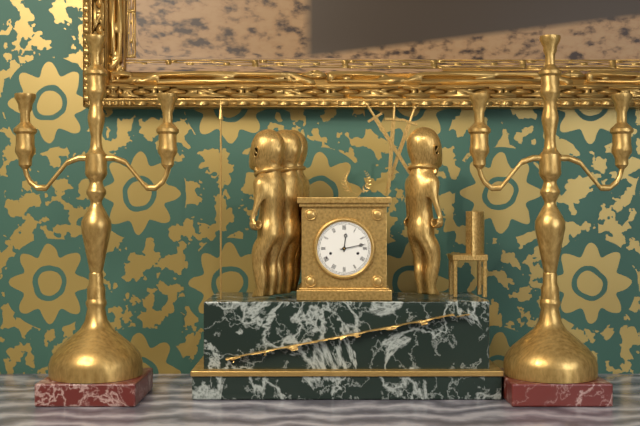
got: 12h13
